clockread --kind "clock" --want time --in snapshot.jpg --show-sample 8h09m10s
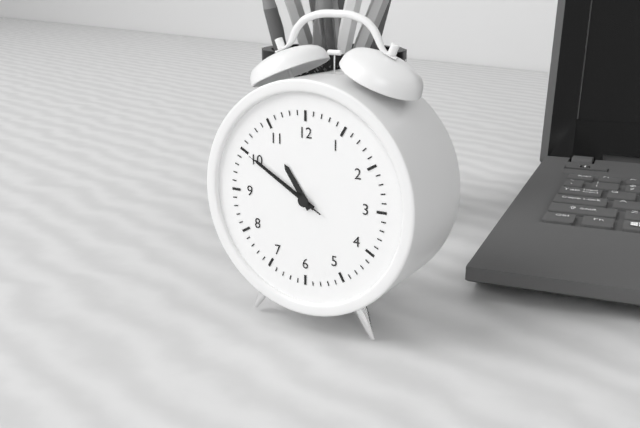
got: 10h50m50s
